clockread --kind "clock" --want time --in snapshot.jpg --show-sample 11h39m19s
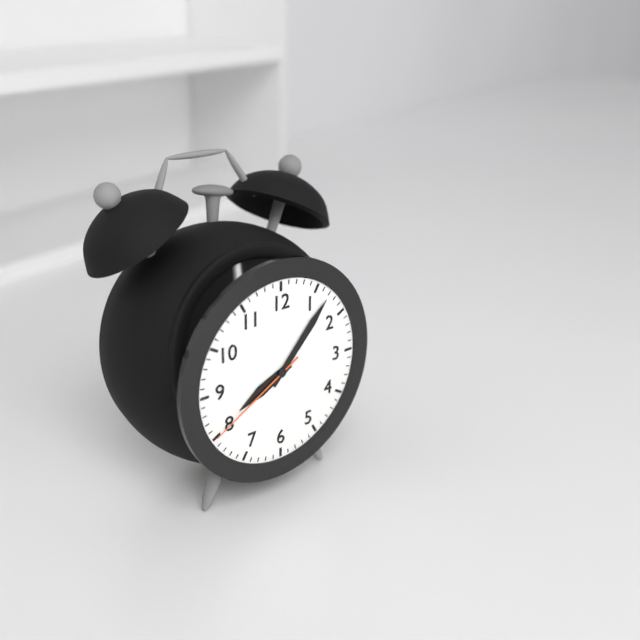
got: 8h07m40s
